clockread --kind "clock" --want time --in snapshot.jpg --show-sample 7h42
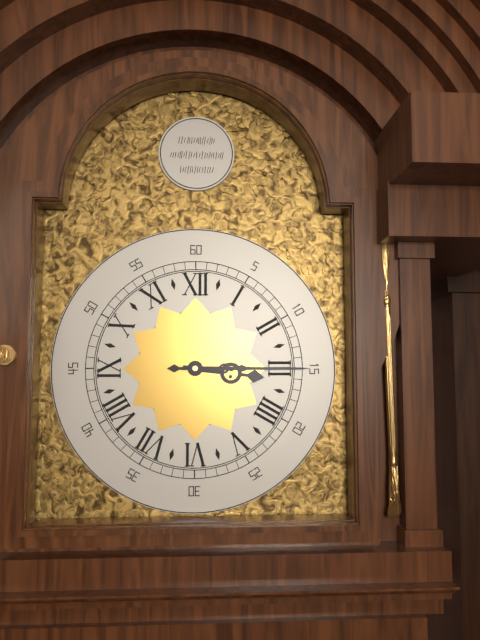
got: 3h15
